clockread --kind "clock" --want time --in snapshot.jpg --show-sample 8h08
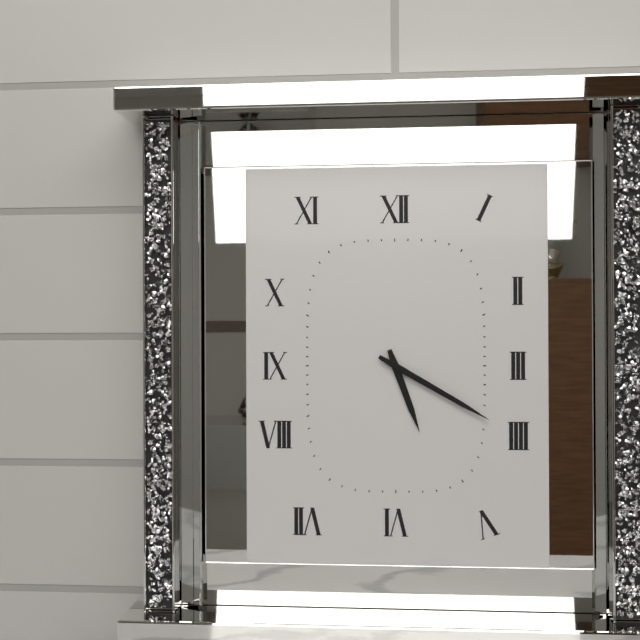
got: 5h20
